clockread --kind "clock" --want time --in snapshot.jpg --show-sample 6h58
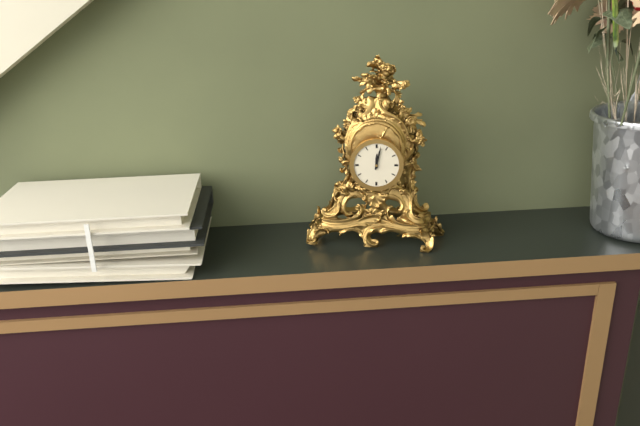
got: 12h02
